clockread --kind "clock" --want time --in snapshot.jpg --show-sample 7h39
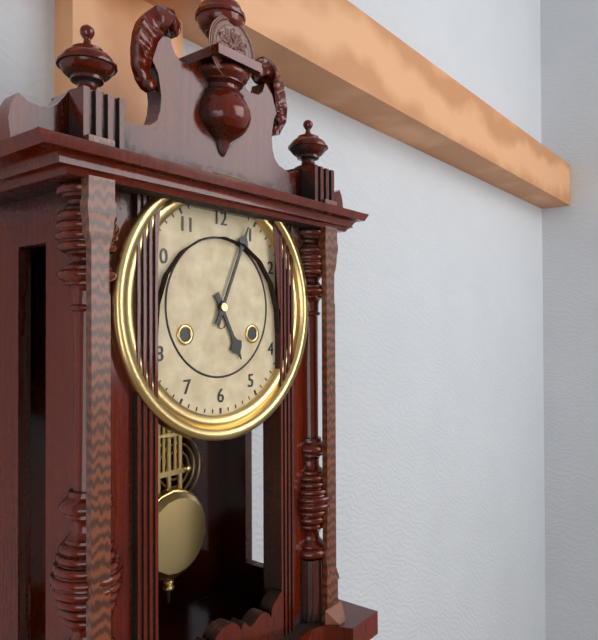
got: 5h04
